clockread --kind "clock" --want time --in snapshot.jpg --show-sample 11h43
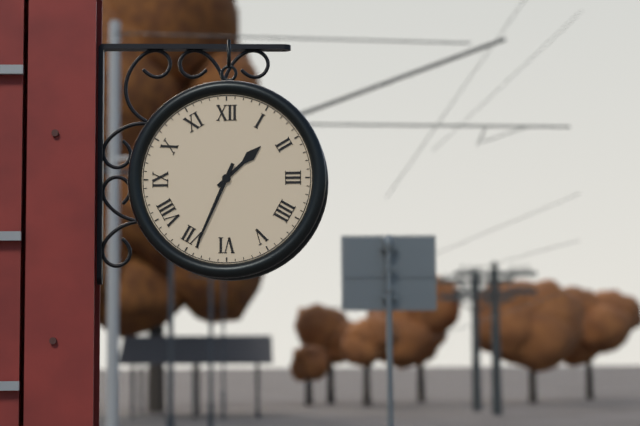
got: 1h34
